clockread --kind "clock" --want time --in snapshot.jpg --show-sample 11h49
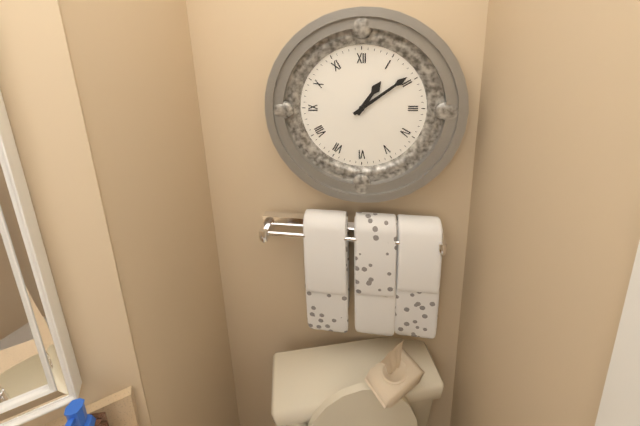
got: 1h09
